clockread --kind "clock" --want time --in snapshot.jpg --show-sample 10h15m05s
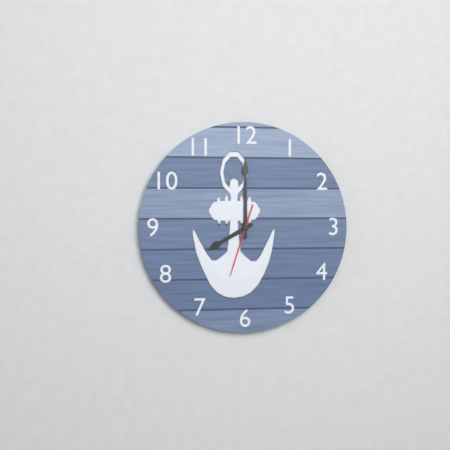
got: 8h00m33s
